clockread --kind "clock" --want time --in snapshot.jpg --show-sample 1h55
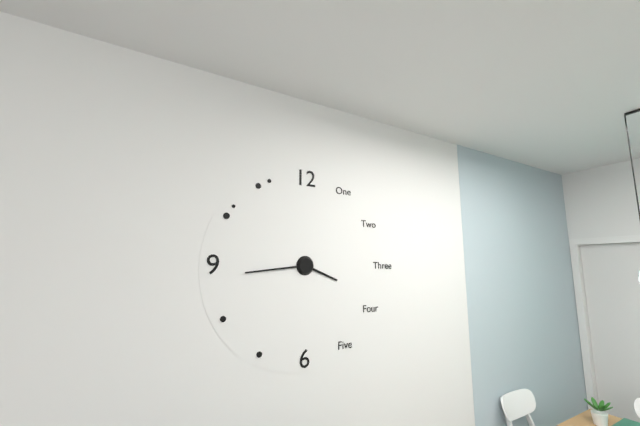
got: 3h44
